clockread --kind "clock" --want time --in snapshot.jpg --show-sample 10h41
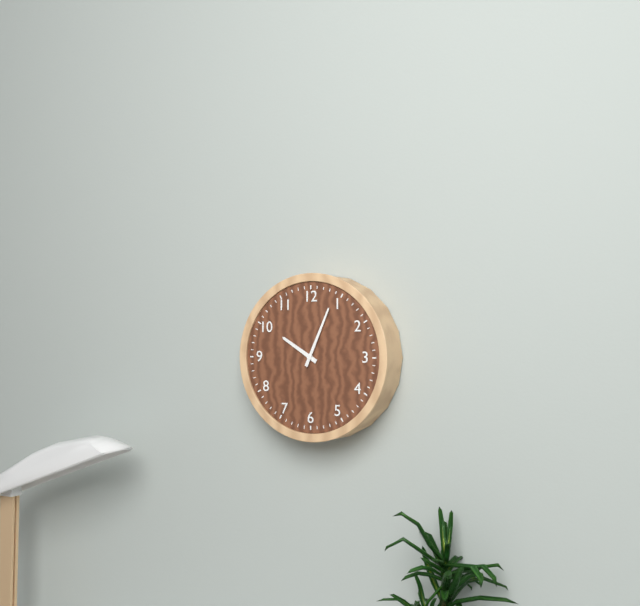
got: 10h04
